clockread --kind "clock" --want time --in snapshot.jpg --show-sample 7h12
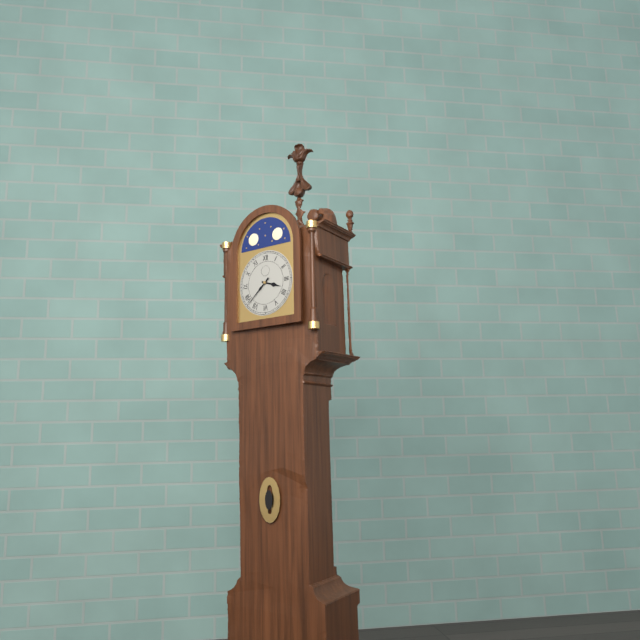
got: 3h38
